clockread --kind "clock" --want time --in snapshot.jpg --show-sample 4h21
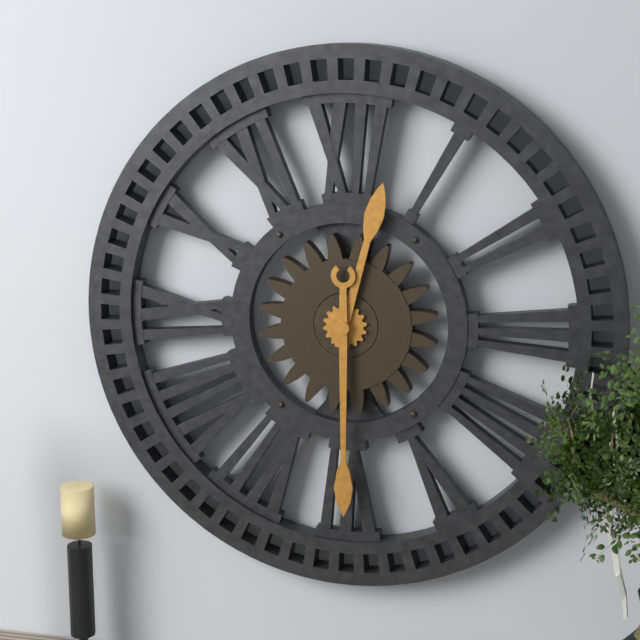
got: 12h30
